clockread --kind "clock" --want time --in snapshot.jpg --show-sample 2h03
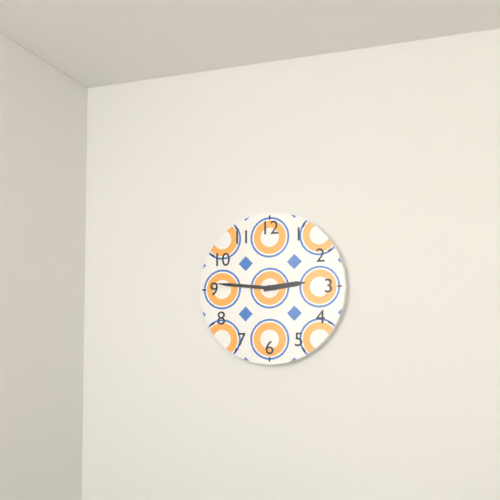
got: 2h46
